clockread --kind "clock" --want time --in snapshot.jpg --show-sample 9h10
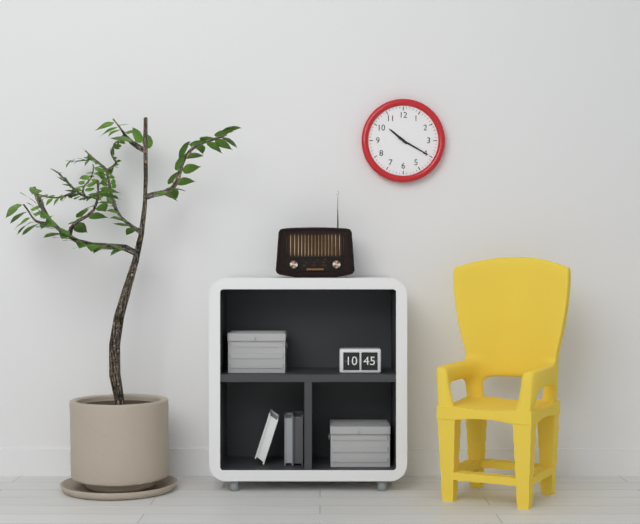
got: 10h20
